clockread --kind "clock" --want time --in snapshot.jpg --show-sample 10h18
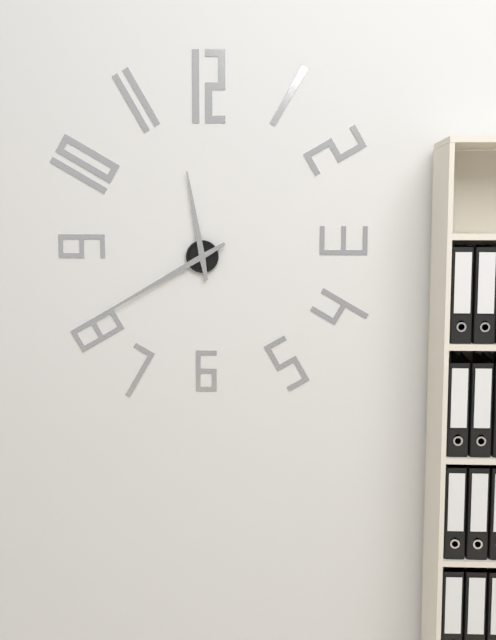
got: 11h40
